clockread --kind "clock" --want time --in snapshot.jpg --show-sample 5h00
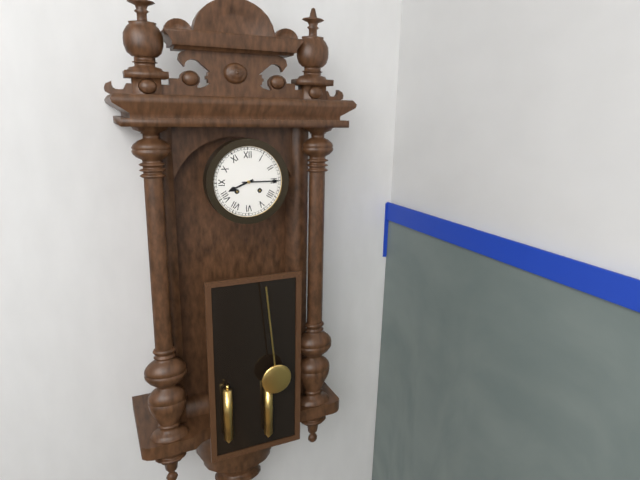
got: 8h15
